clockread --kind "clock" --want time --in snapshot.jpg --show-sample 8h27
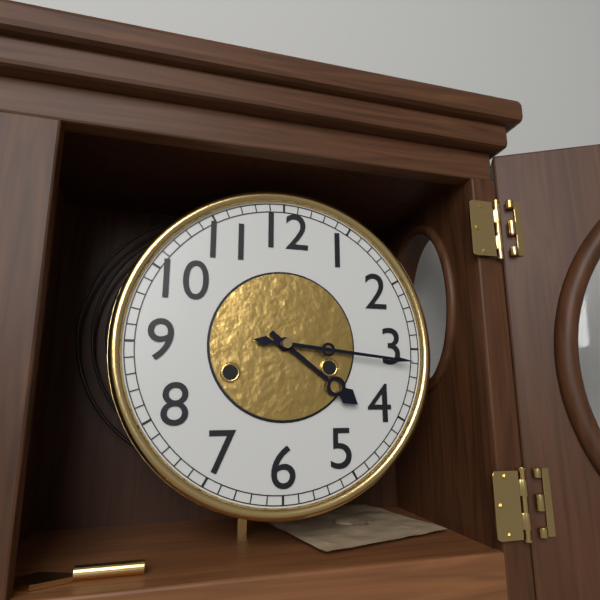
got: 4h16
